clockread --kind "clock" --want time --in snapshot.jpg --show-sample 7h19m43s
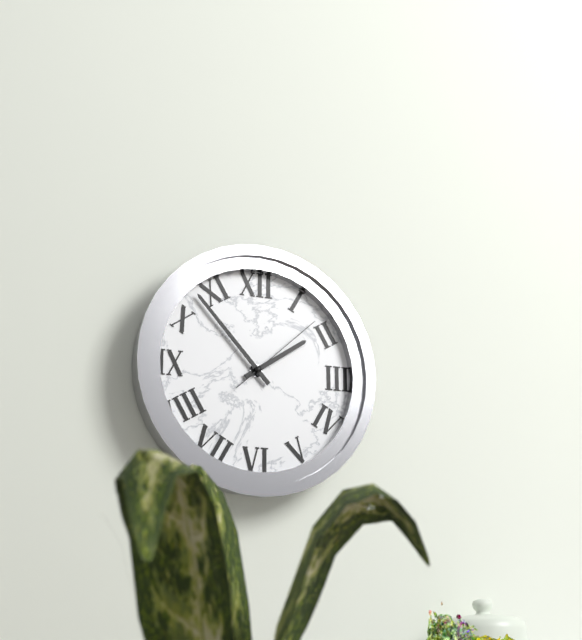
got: 1h53m08s
